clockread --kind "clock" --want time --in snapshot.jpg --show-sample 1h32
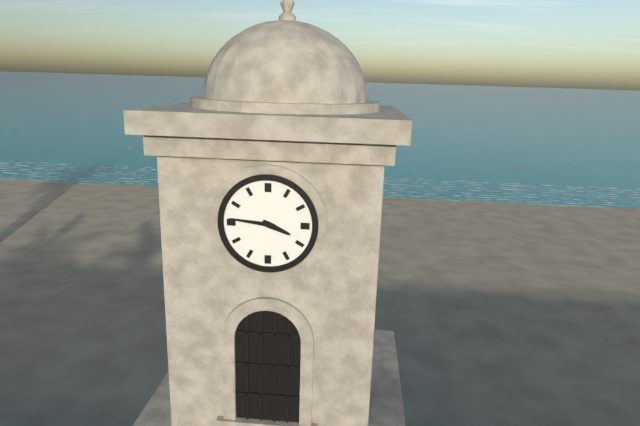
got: 3h46
